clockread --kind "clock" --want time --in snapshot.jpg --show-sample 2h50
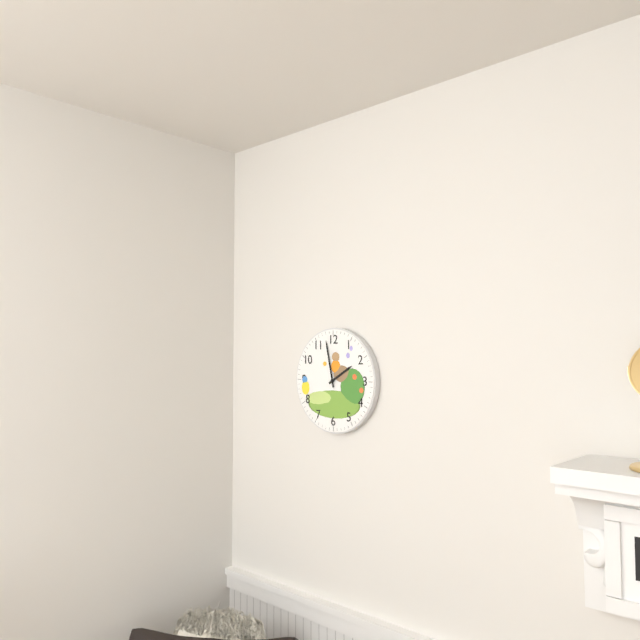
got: 1h58
